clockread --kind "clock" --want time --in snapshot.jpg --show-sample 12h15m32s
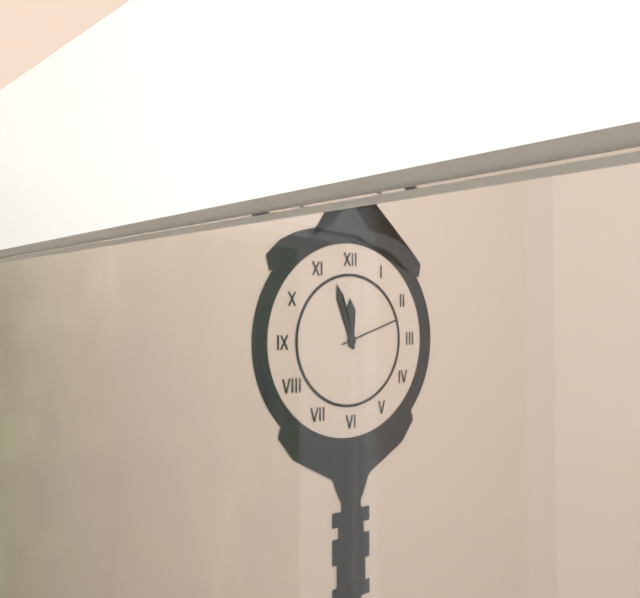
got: 11h57m12s
